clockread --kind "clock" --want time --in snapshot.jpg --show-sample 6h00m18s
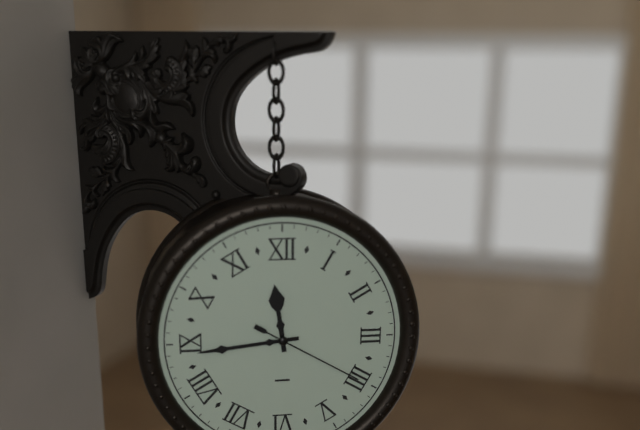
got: 11h44m20s
